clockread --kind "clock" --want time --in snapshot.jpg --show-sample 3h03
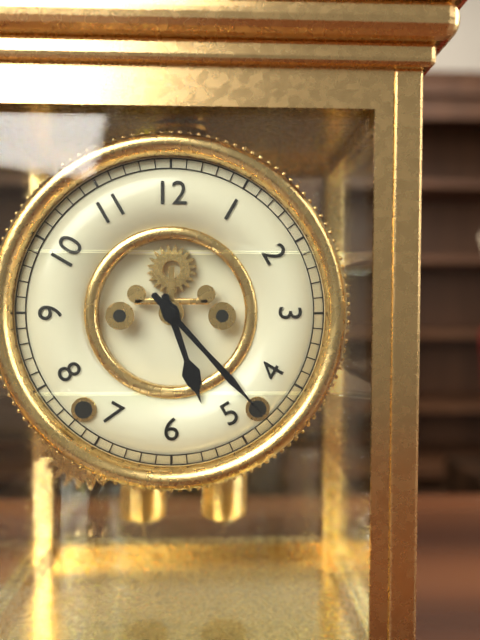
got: 5h23
